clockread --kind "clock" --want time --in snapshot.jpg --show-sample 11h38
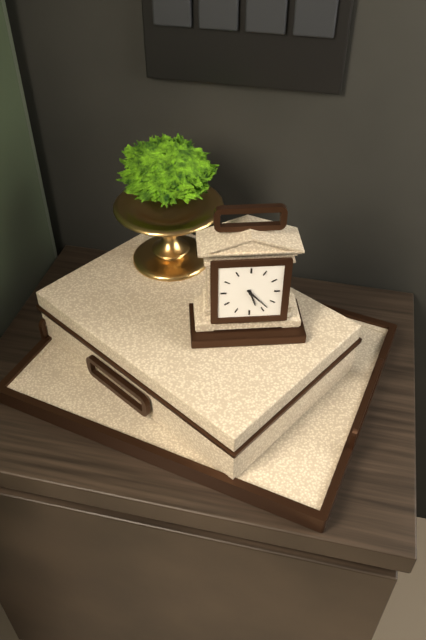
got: 5h23
